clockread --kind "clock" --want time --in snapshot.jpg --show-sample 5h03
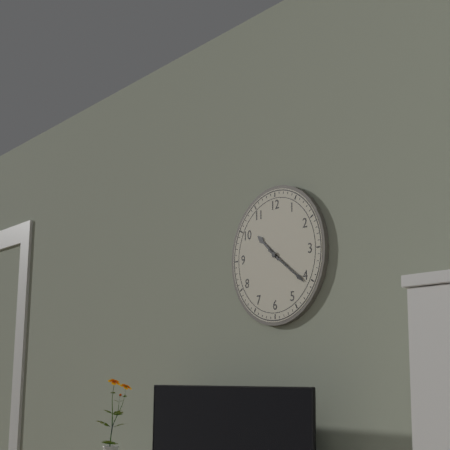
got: 10h21
